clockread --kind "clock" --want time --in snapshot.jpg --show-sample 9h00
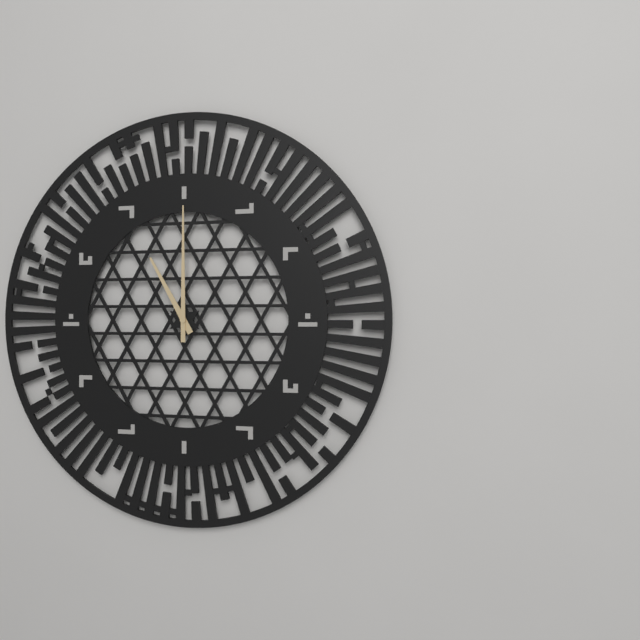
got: 11h00
